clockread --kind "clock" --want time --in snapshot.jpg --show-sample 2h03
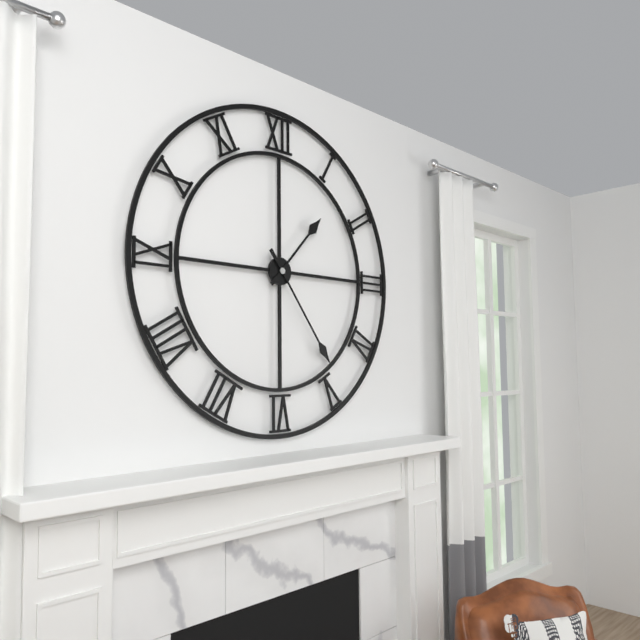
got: 1h24
